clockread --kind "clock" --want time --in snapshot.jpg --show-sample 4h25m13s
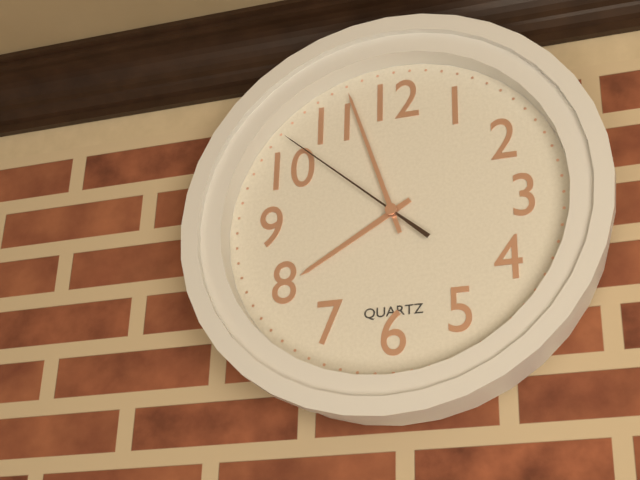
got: 7h57m52s
